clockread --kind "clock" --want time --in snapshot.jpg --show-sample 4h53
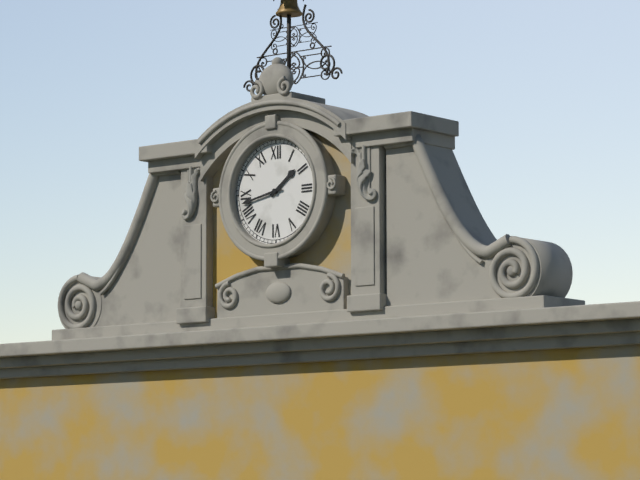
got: 1h43
